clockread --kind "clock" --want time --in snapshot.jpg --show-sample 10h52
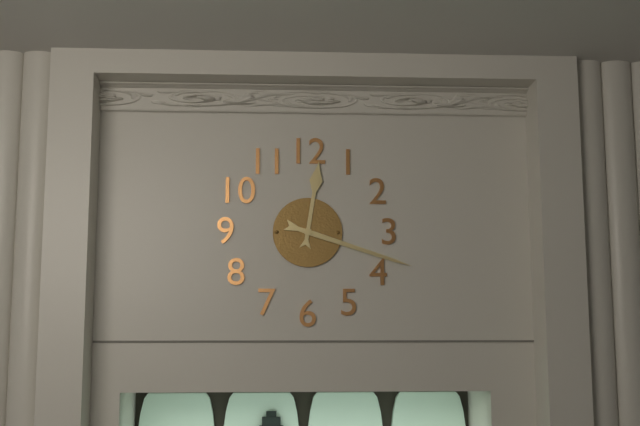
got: 12h18
